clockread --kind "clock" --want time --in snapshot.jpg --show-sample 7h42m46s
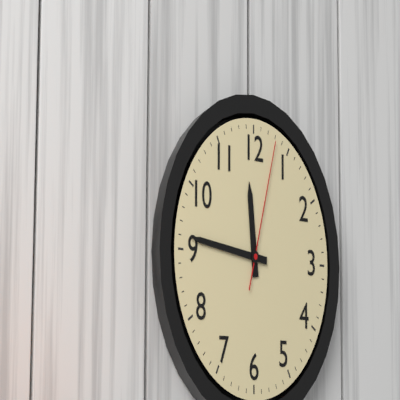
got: 11h46m03s
